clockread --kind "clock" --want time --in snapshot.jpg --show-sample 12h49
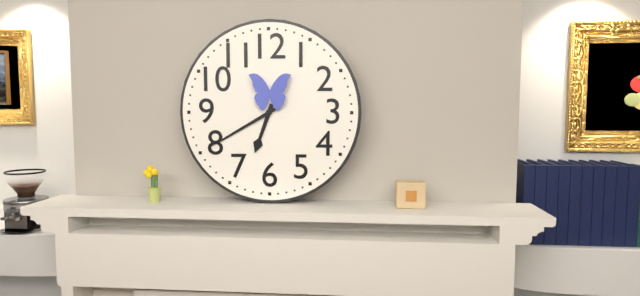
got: 6h40
